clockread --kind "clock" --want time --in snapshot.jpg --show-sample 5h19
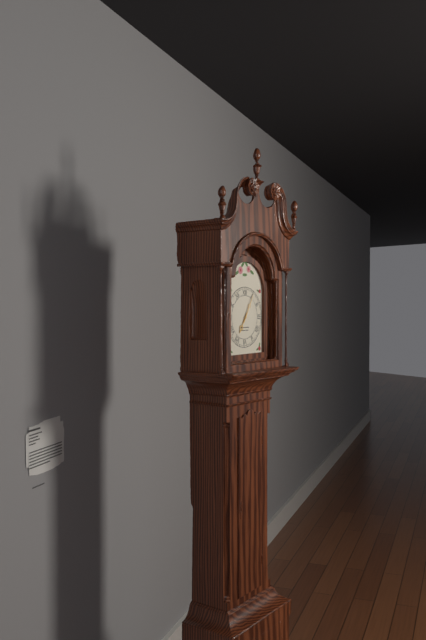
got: 7h05
